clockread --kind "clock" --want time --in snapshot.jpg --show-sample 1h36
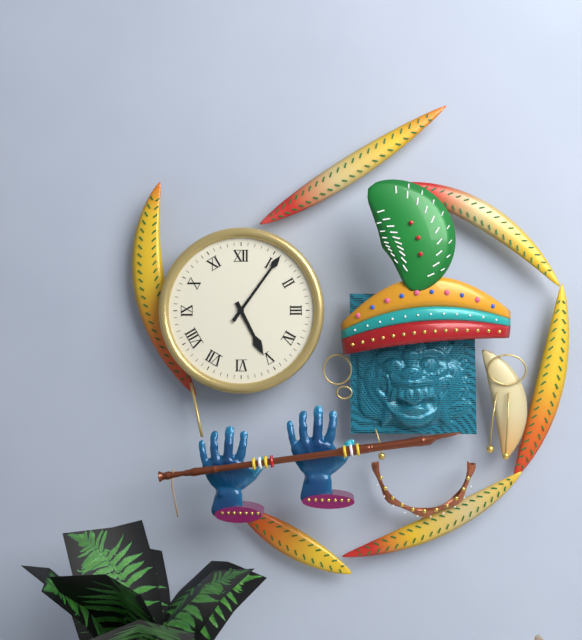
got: 5h06
